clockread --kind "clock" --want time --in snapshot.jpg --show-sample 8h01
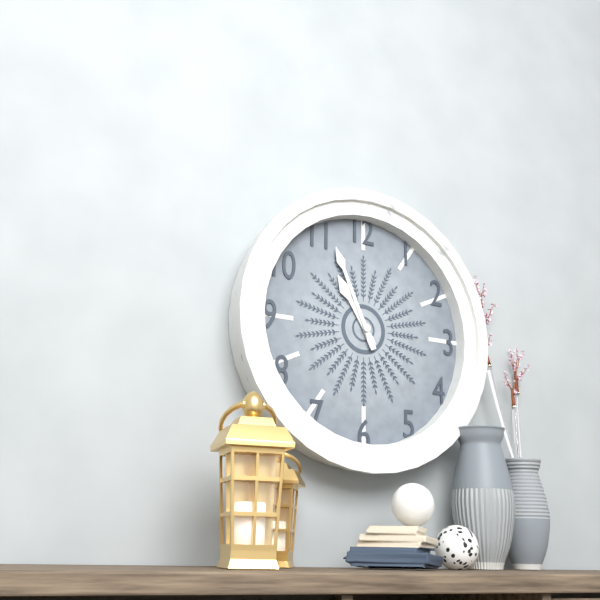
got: 10h56
